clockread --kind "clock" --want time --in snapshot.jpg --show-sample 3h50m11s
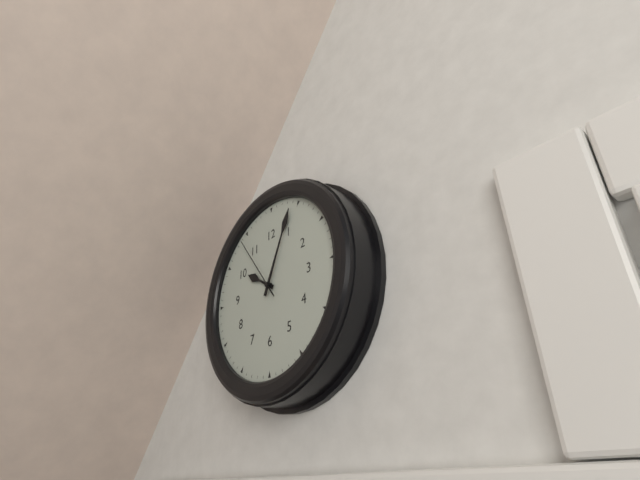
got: 10h04m54s
